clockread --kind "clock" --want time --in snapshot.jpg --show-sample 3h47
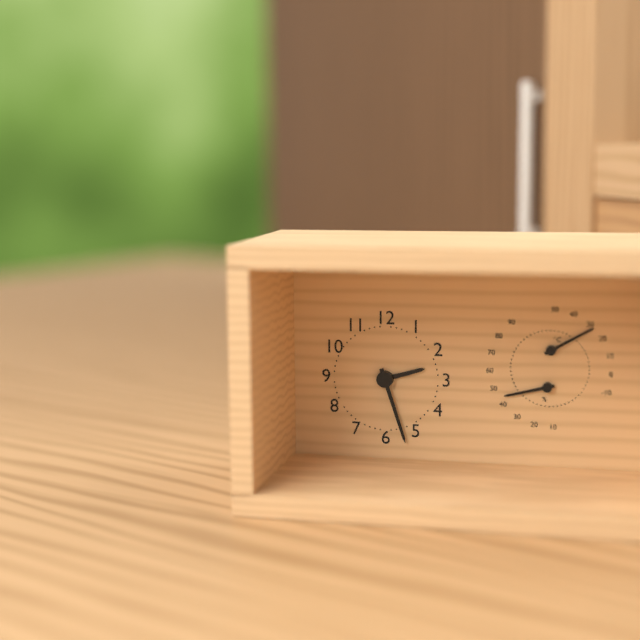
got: 2h27
